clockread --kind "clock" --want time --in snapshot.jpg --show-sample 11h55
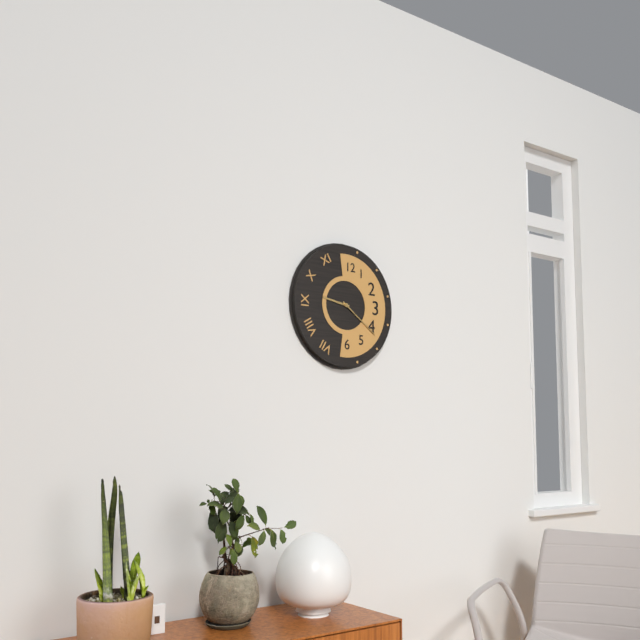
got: 9h21
